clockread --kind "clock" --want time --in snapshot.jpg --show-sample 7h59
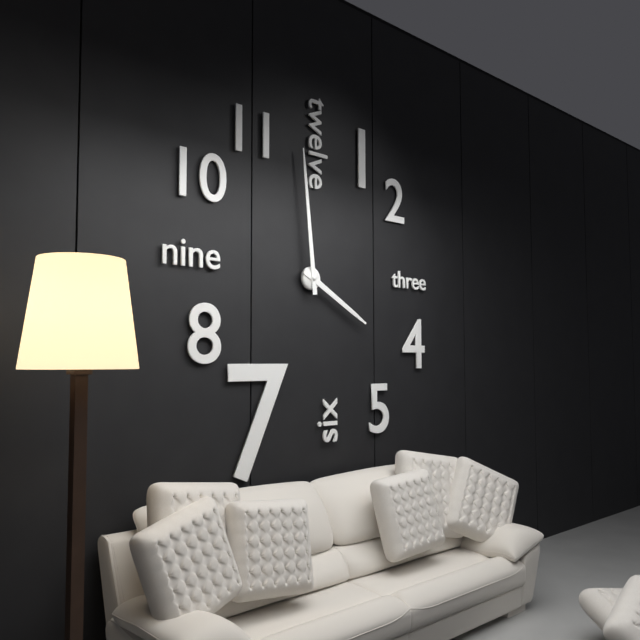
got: 3h59
